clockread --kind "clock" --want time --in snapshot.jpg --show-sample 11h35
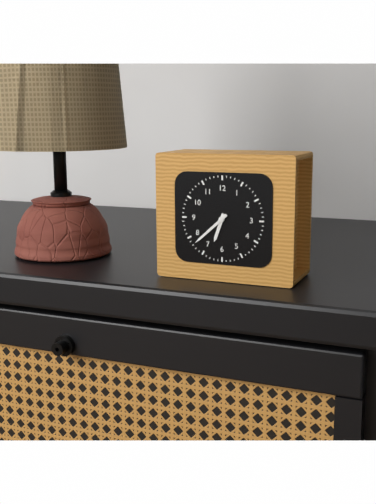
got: 6h38
